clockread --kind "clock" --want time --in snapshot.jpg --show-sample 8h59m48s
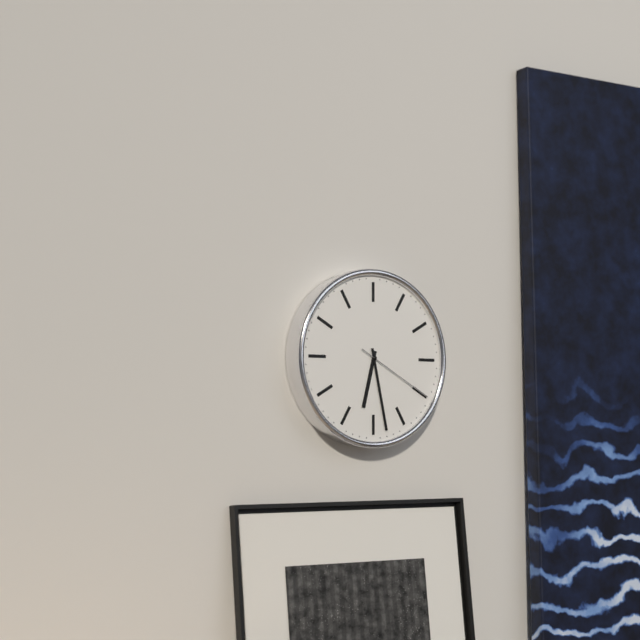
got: 6h28m20s
